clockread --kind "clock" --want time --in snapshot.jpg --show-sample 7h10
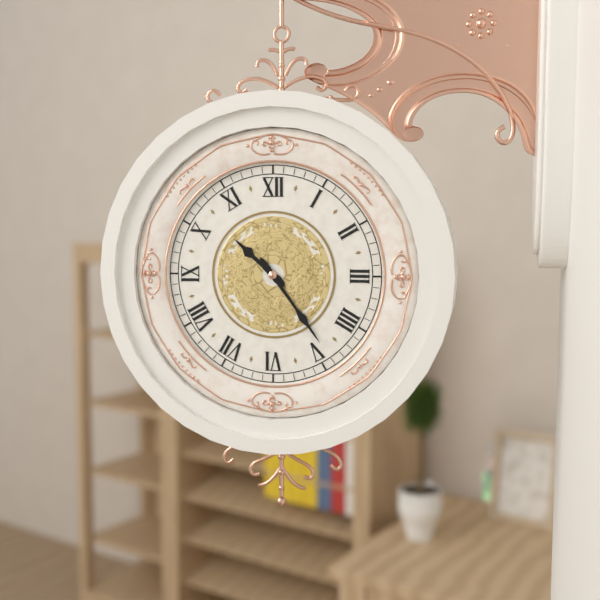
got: 10h24
